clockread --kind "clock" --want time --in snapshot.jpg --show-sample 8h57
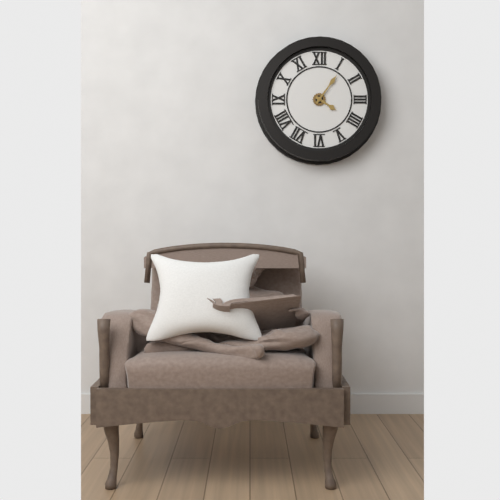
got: 4h06
